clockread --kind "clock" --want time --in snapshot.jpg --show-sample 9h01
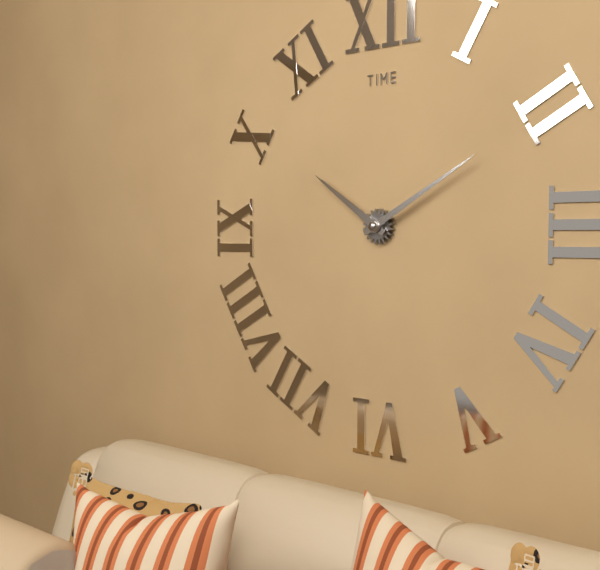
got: 10h10
